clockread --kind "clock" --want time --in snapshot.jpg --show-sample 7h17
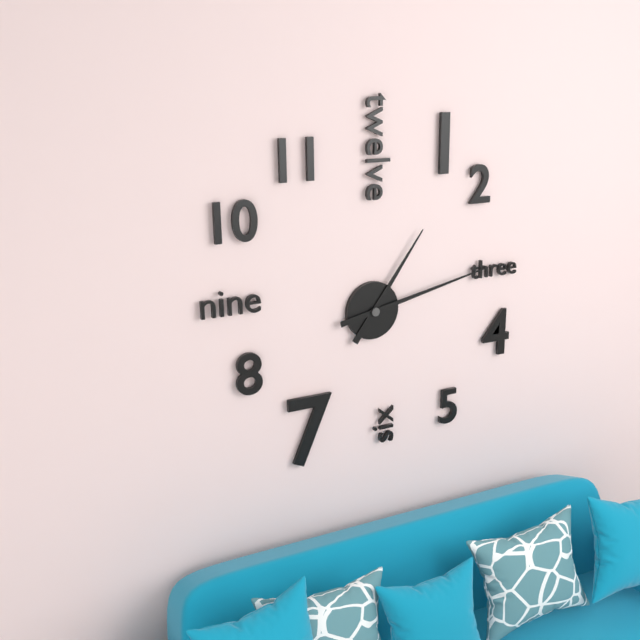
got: 1h13
